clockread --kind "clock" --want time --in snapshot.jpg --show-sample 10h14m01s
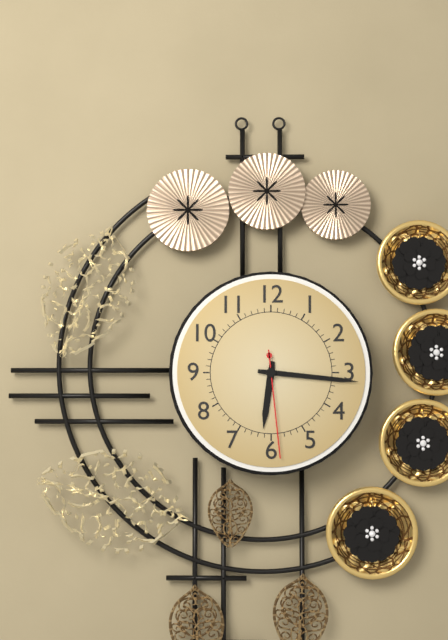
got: 6h16m29s
